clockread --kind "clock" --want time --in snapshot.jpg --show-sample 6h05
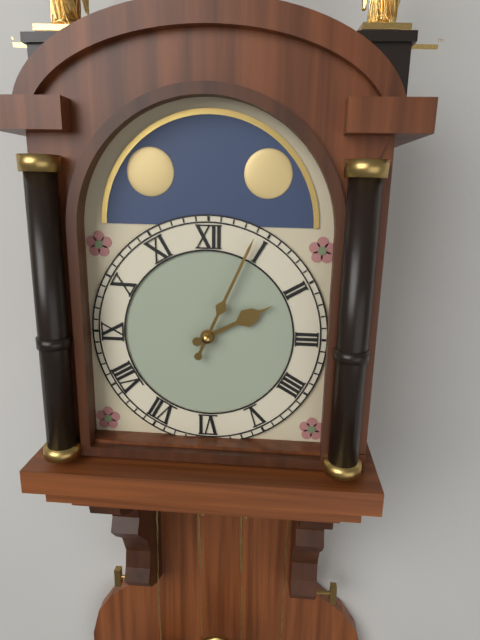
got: 2h04
